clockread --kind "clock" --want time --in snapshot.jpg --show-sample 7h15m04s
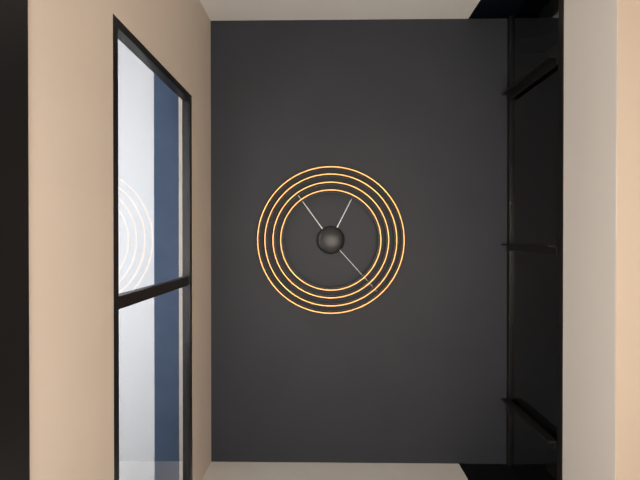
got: 12h54m23s
